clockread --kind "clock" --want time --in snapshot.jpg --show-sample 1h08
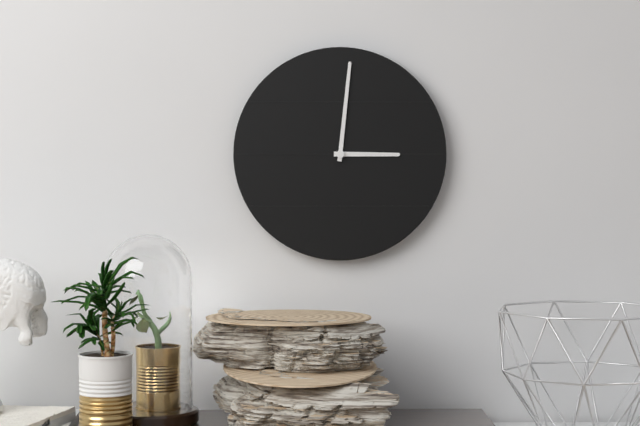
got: 3h01
